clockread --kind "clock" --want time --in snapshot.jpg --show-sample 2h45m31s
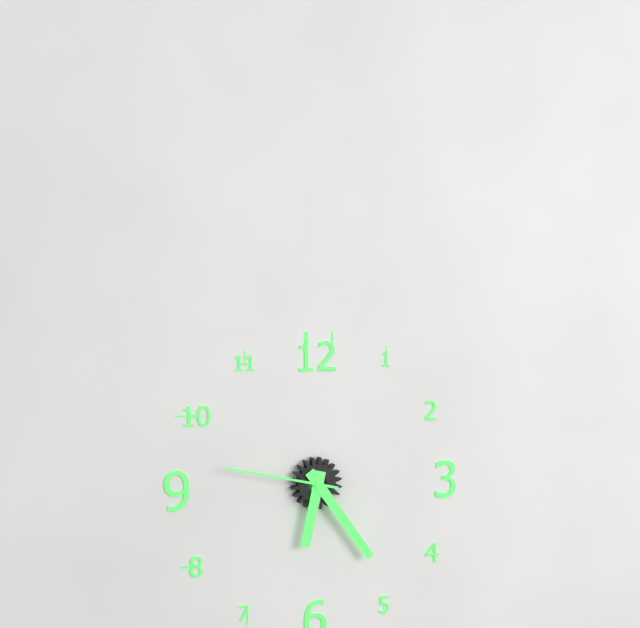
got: 6h24m47s
